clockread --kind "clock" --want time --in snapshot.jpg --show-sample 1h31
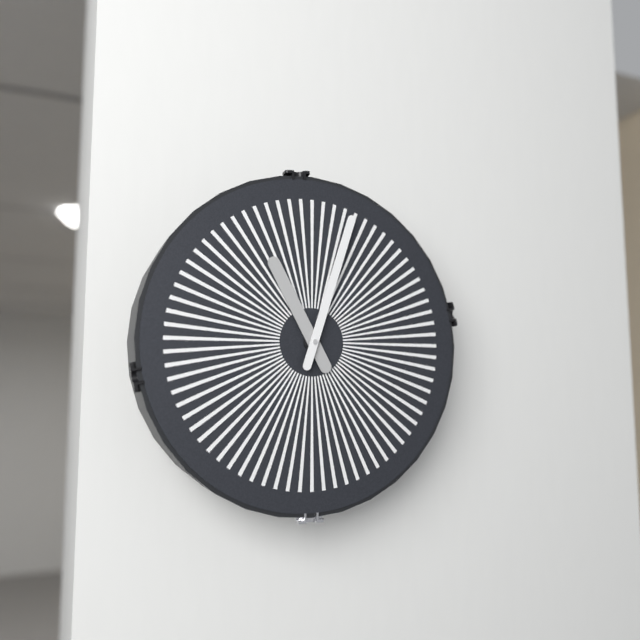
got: 11h03
